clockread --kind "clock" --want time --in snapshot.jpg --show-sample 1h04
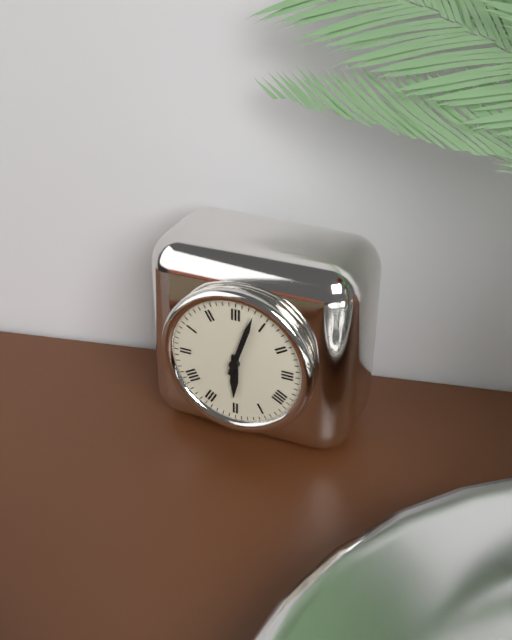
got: 6h03
